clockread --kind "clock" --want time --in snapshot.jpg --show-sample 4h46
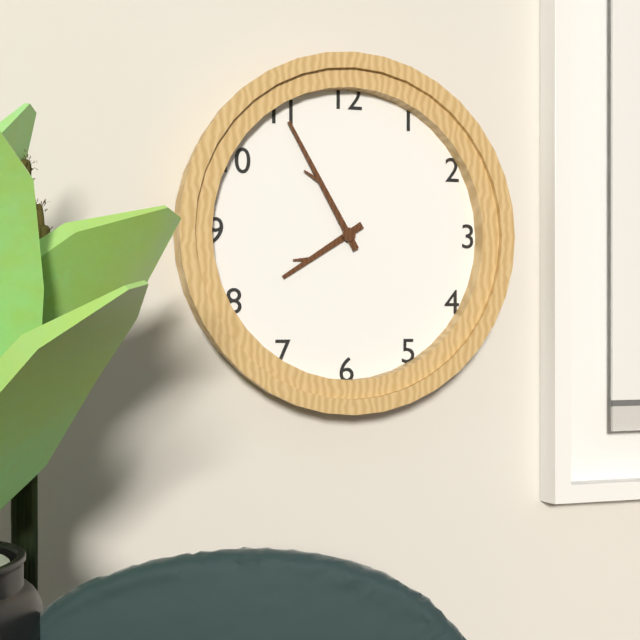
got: 7h55
